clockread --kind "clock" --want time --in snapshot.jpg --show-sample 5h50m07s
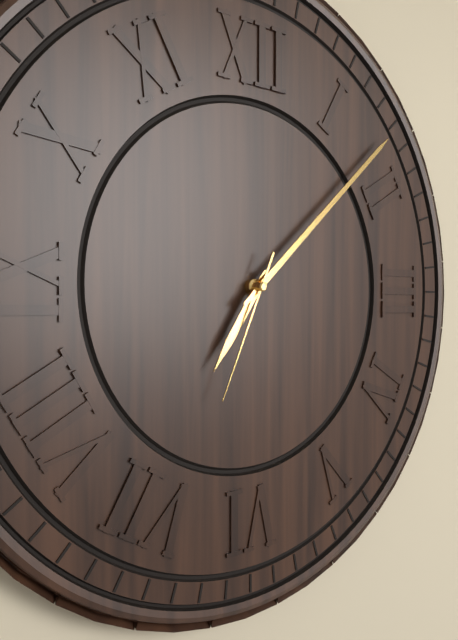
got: 7h08m34s
